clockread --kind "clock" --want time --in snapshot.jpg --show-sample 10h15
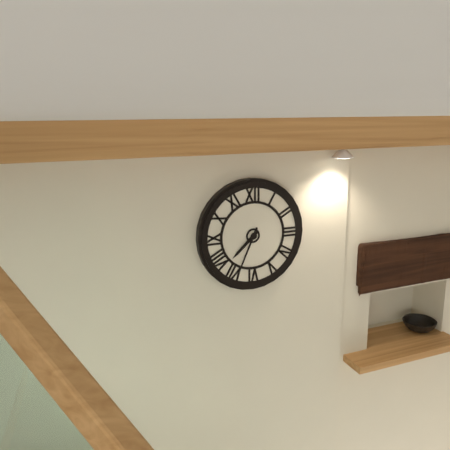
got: 7h34
